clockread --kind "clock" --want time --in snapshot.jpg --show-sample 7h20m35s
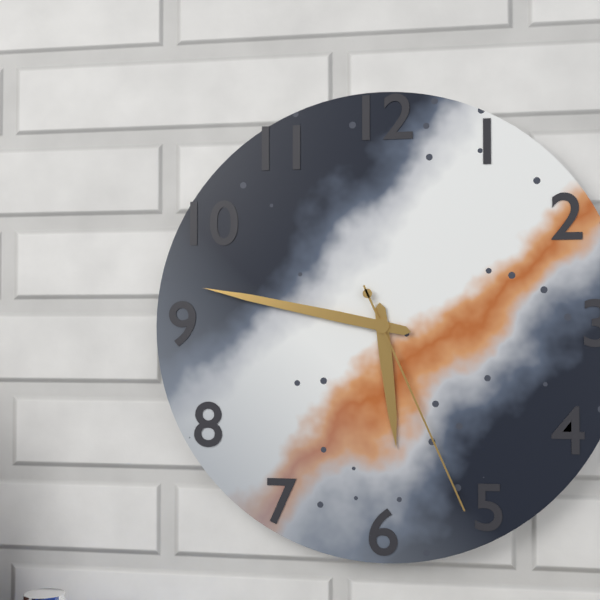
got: 5h47m26s
